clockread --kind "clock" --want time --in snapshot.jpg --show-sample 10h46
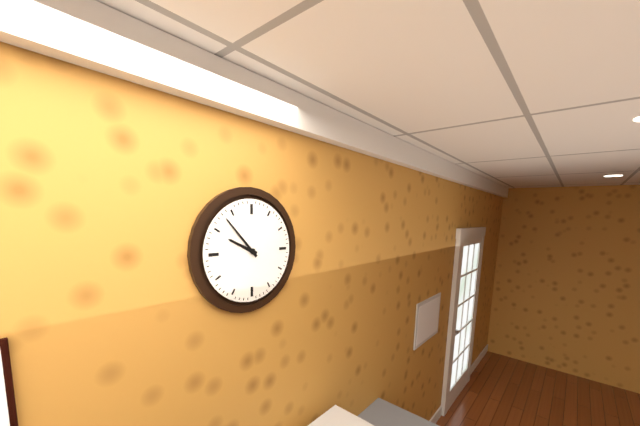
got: 9h53
